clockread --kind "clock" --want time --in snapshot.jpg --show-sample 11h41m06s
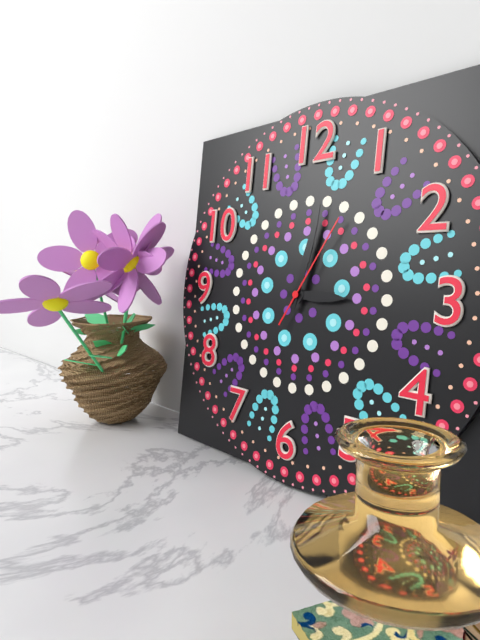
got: 3h02m05s
